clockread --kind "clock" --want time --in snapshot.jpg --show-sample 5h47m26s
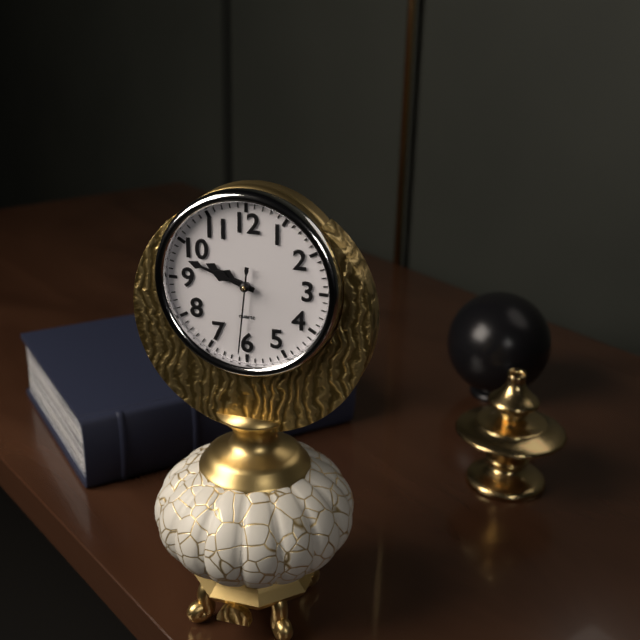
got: 9h48m31s
